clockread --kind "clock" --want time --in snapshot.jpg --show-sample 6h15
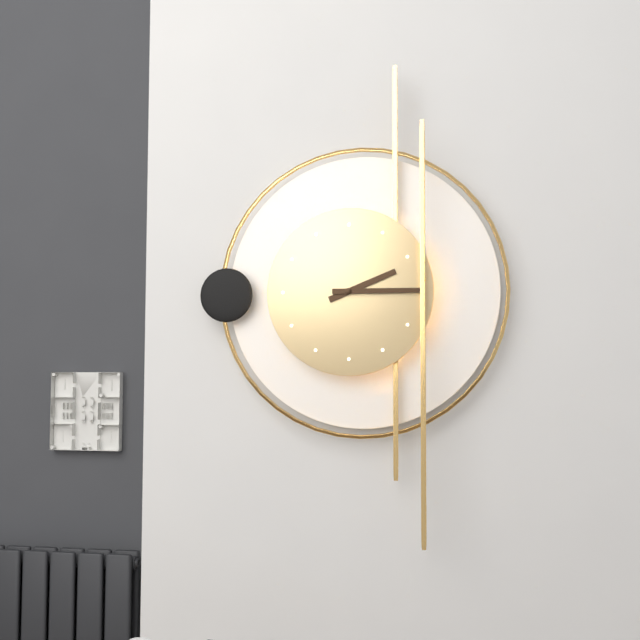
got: 2h15
